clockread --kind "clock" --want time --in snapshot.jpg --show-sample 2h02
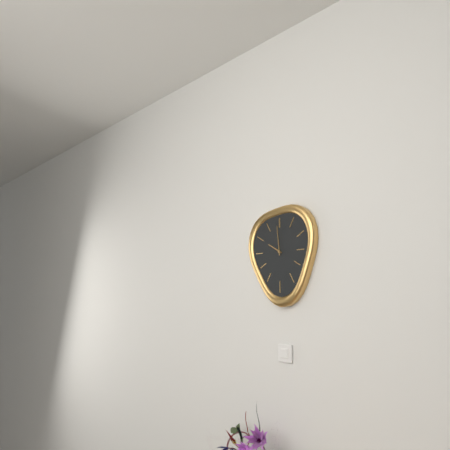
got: 9h59
